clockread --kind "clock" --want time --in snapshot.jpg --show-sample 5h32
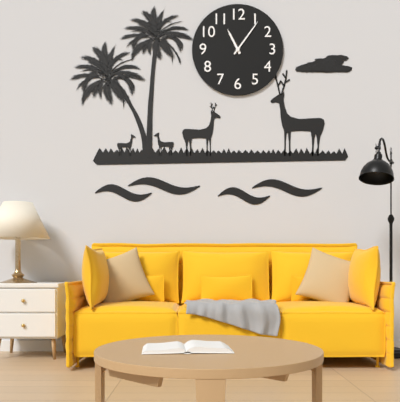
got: 11h06
